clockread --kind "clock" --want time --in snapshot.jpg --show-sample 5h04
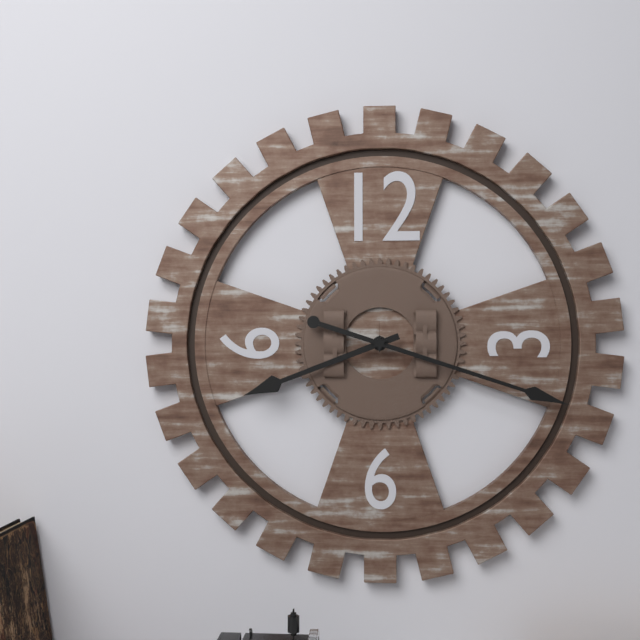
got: 8h18
